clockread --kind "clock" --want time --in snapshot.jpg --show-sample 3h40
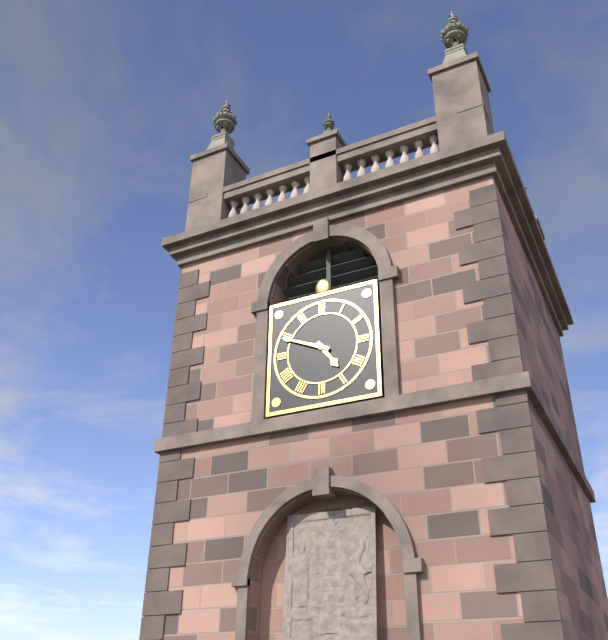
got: 4h49
